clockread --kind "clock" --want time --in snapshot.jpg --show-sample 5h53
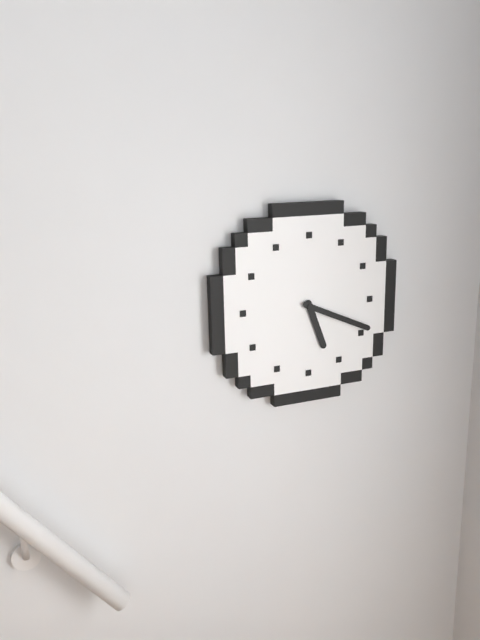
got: 5h19
